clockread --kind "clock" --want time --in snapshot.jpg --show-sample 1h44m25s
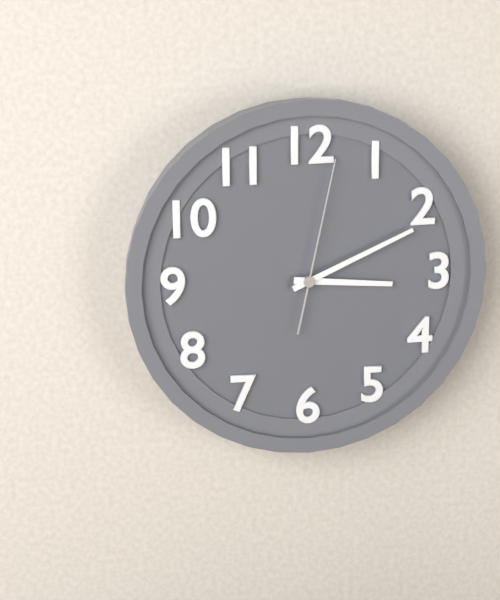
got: 3h11m02s
